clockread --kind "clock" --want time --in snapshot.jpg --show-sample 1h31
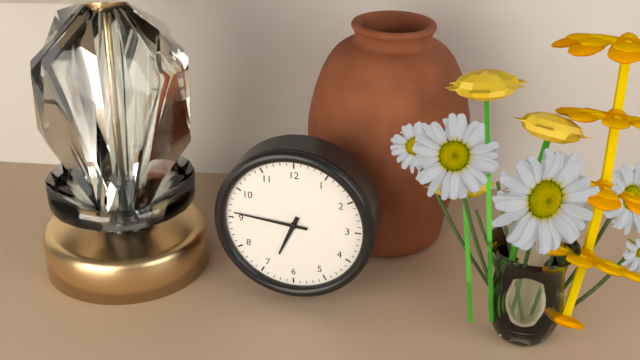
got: 6h46
